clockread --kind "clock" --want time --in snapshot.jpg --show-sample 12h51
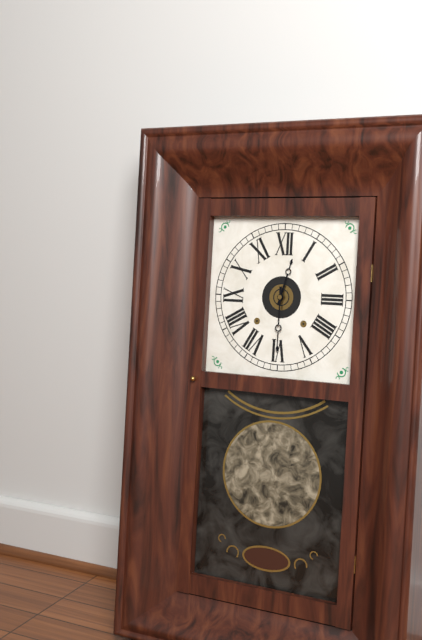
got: 12h30
